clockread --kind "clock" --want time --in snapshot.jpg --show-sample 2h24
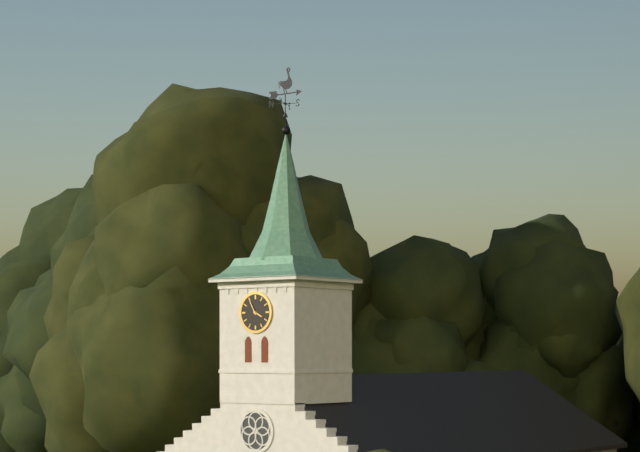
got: 3h55
